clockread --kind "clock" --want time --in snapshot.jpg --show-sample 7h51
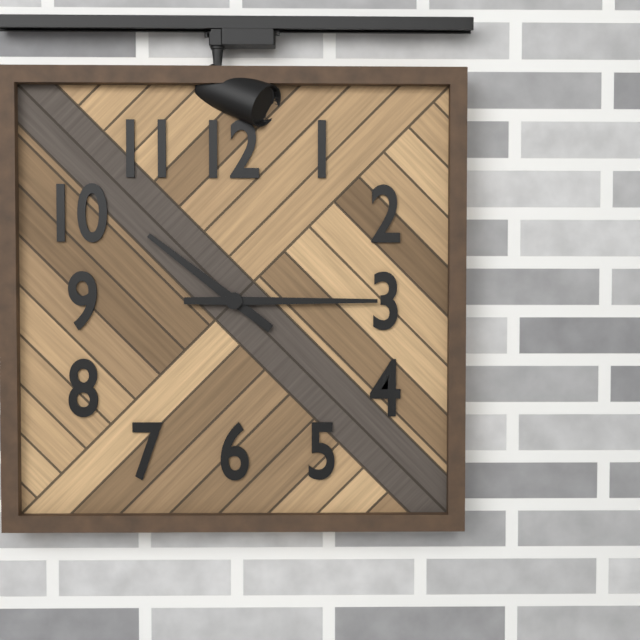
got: 10h15
